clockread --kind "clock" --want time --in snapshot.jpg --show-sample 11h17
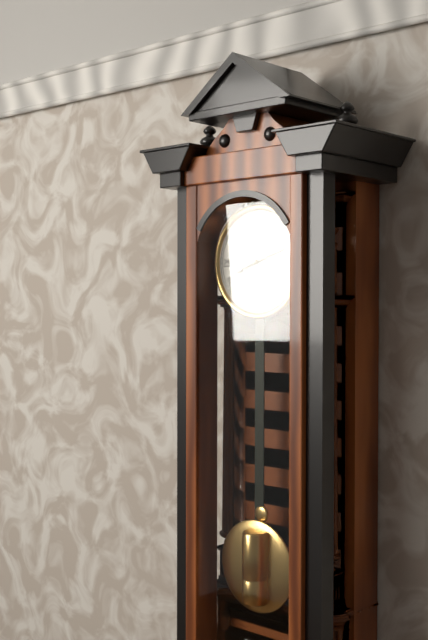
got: 8h12
